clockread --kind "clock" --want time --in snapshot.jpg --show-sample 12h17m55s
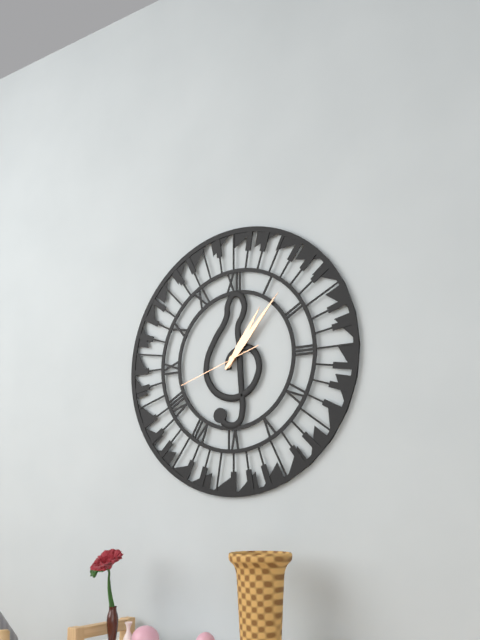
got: 1h07m42s
